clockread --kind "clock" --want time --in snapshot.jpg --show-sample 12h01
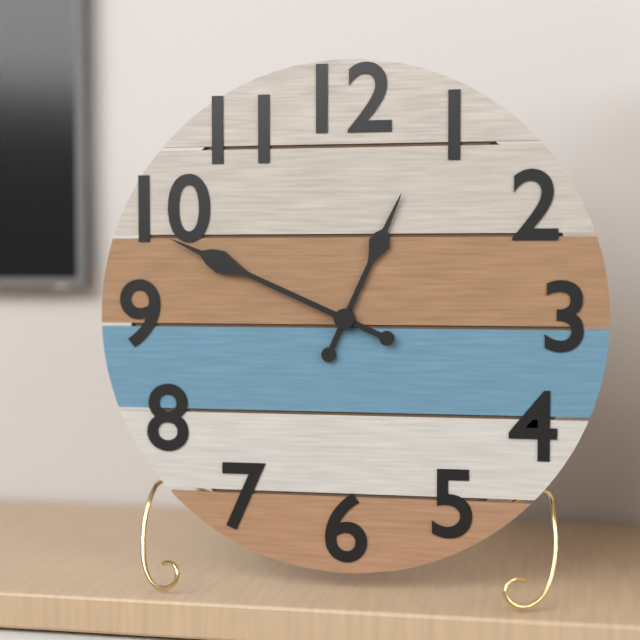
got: 12h49
